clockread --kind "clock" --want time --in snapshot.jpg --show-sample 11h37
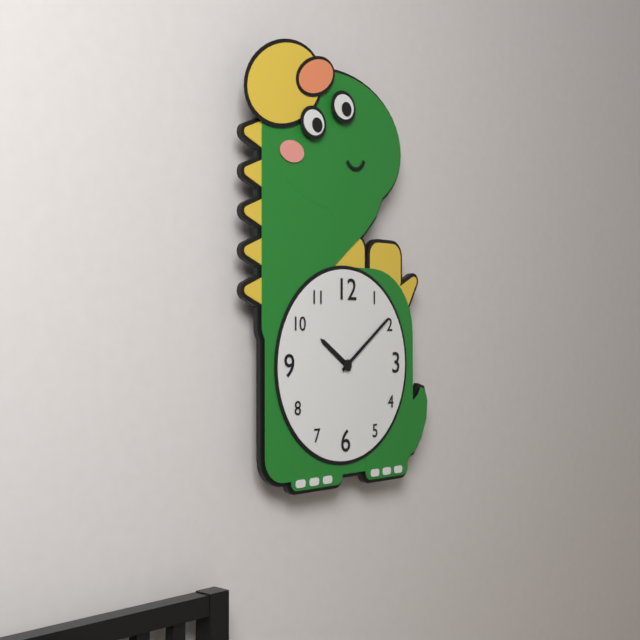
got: 10h09
